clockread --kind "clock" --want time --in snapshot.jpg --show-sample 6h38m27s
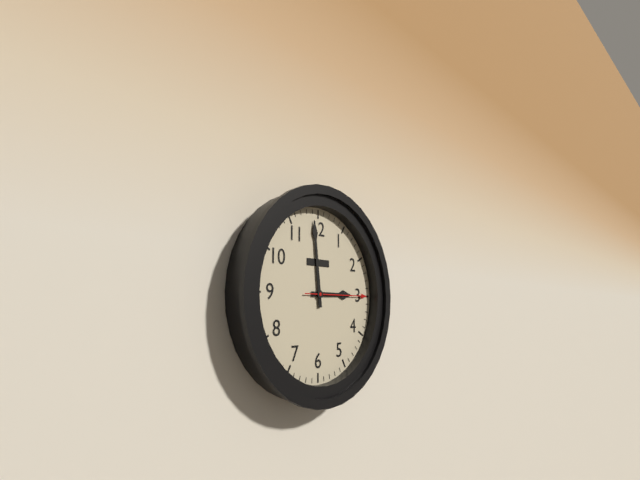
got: 2h59m15s
